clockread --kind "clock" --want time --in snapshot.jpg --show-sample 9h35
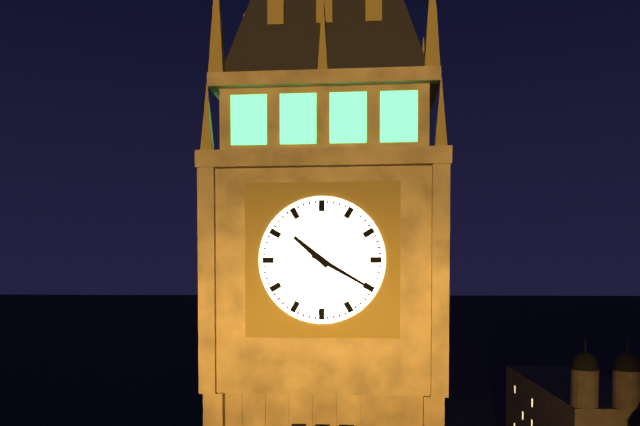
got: 10h20
